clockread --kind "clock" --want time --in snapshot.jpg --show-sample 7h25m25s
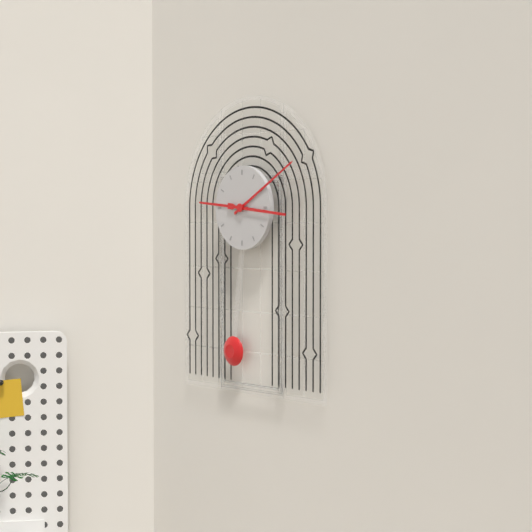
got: 9h10m16s
